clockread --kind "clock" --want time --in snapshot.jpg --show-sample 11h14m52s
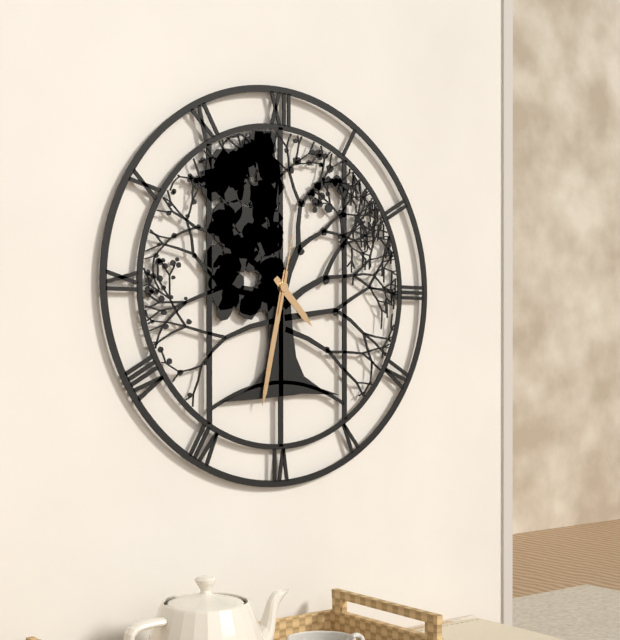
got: 4h32m02s
